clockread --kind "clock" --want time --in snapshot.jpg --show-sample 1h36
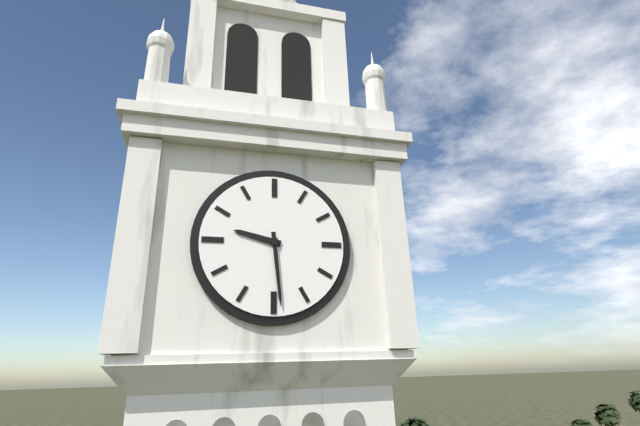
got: 9h29
